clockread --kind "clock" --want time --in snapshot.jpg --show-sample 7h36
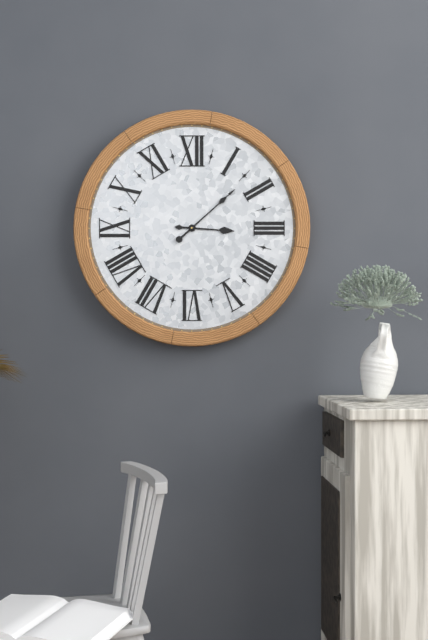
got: 3h08
